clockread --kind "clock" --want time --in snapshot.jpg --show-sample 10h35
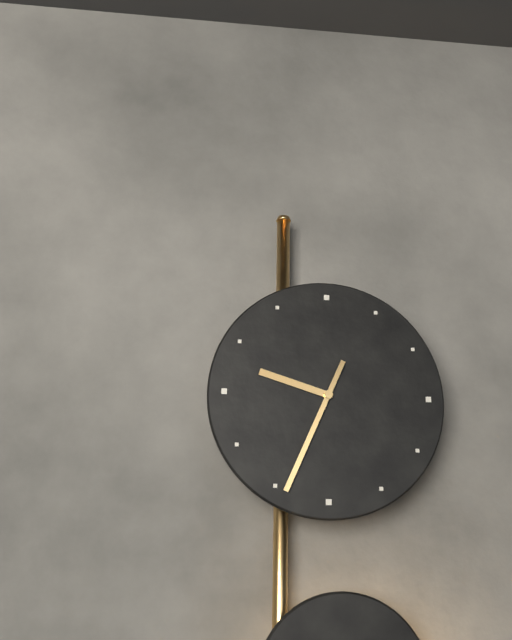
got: 9h34
